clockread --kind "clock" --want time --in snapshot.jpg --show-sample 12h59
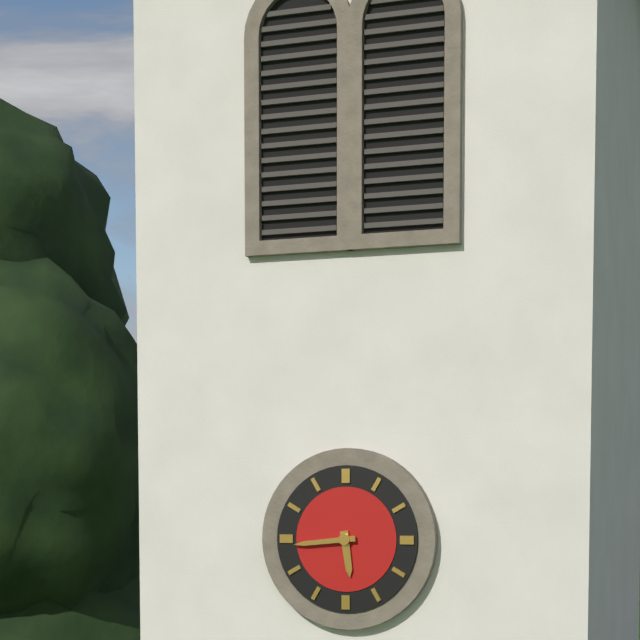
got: 5h44
